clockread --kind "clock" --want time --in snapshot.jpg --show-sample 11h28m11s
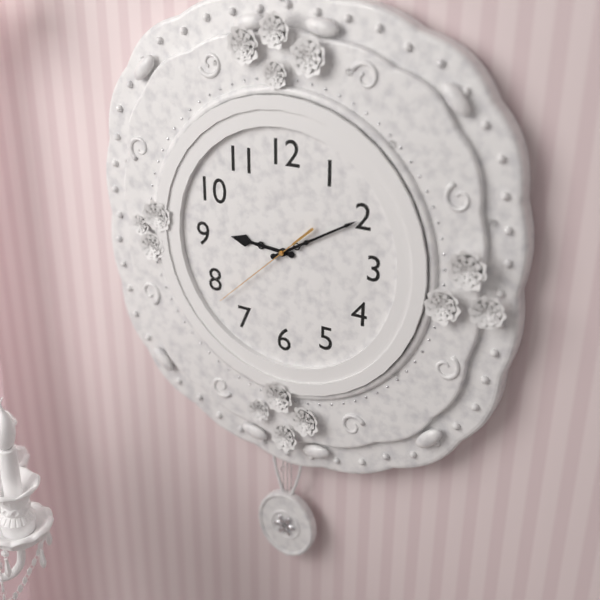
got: 9h10m38s
